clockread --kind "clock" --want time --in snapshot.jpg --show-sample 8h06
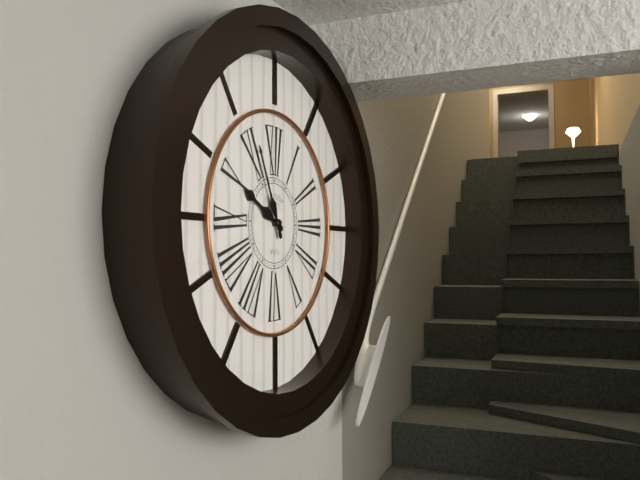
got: 9h56
